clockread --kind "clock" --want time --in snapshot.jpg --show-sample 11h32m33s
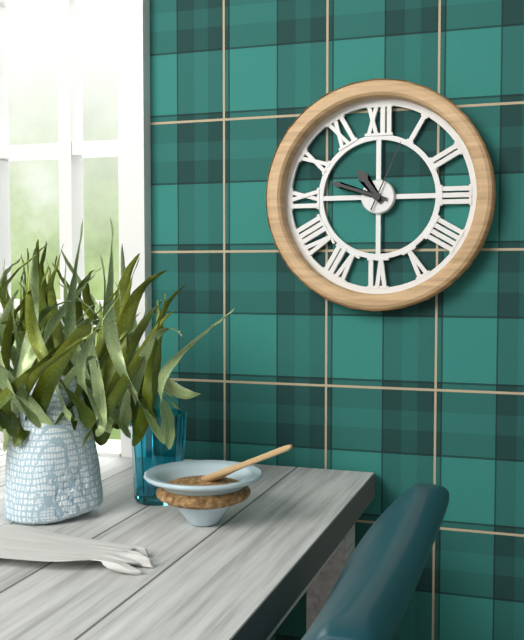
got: 10h48m04s
